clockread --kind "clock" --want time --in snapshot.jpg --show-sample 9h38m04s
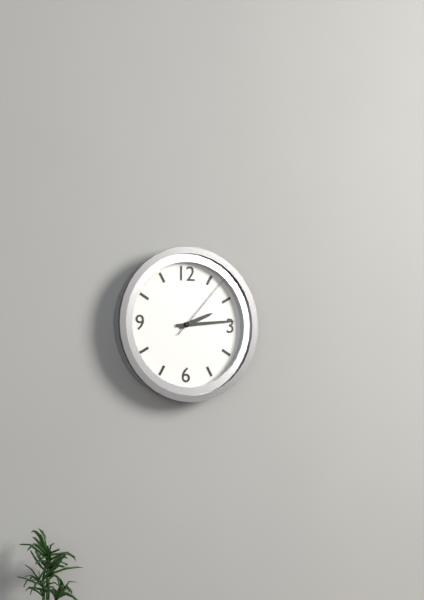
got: 2h14m07s
